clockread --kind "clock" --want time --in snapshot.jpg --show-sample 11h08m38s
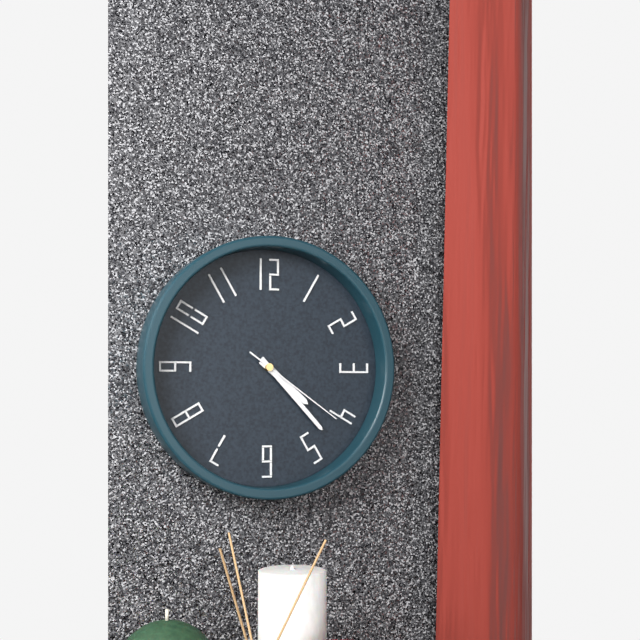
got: 4h23m21s
